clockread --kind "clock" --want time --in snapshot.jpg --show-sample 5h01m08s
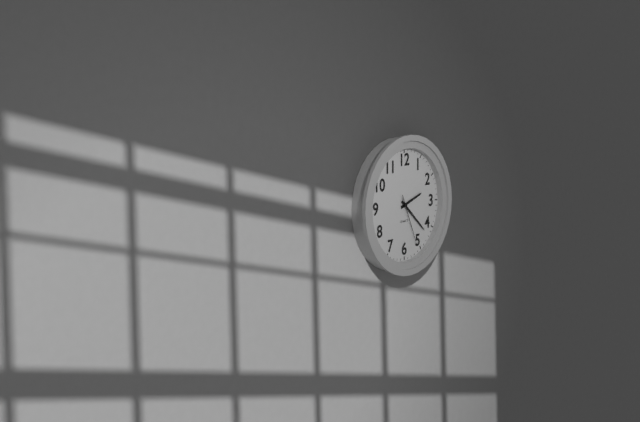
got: 2h22m26s
